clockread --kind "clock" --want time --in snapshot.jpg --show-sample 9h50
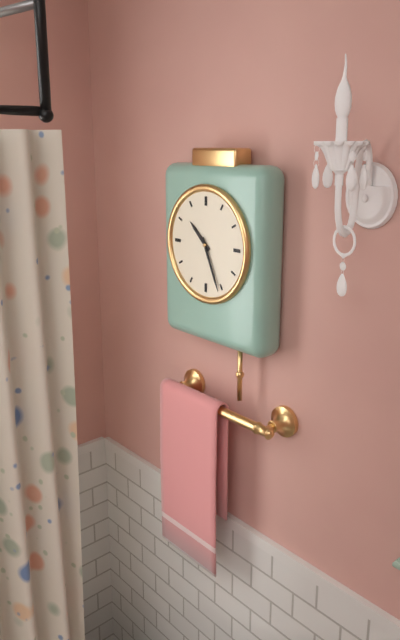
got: 10h26
